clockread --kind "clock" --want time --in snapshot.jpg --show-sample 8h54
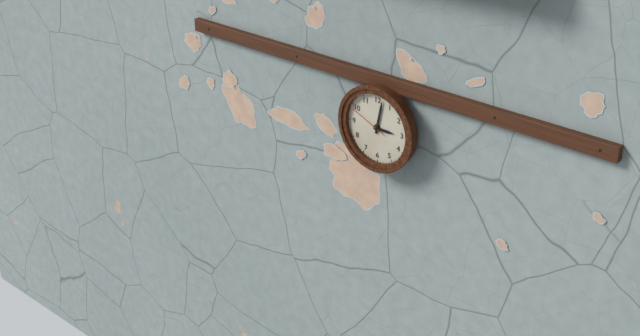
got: 3h02
